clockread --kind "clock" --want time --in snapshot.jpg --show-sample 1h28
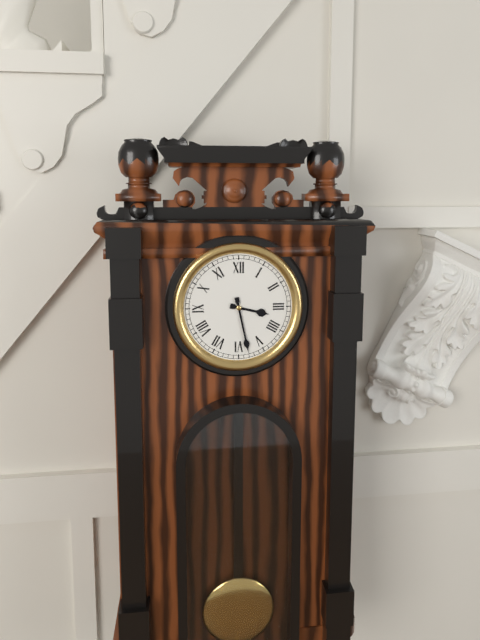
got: 3h28
